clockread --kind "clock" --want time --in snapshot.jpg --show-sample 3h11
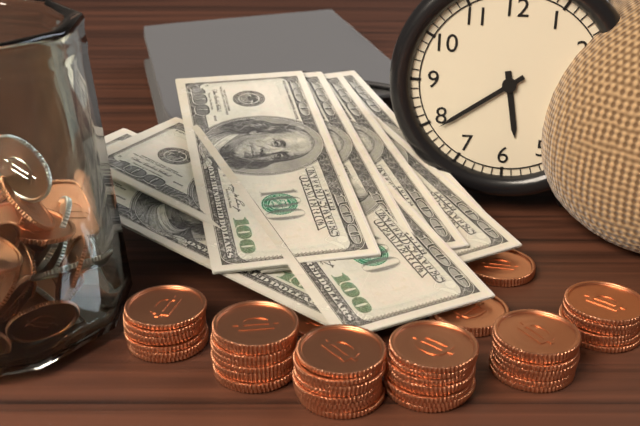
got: 5h39
